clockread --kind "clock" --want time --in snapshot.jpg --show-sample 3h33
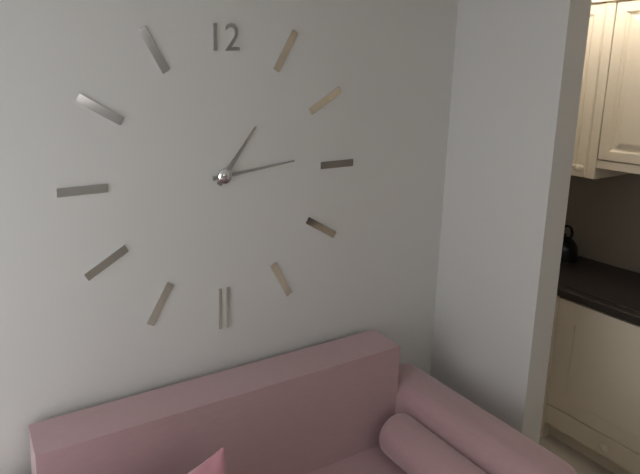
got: 1h14
